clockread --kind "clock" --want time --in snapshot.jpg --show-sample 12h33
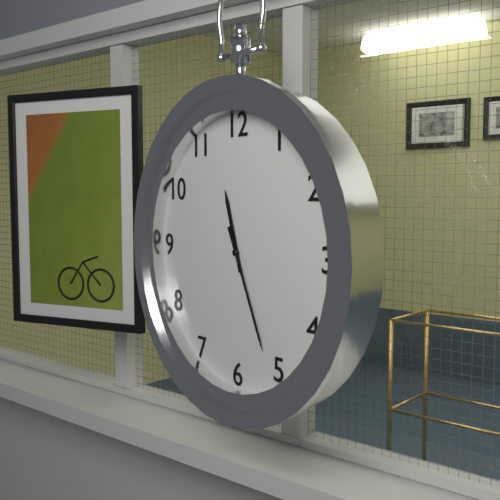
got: 11h26
